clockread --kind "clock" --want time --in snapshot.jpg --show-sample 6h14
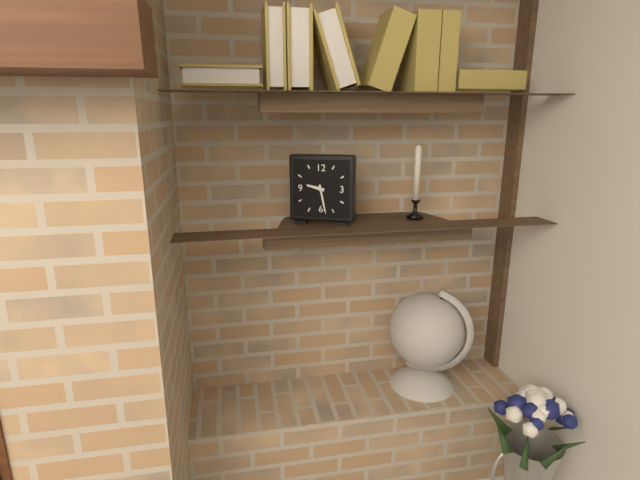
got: 9h28
